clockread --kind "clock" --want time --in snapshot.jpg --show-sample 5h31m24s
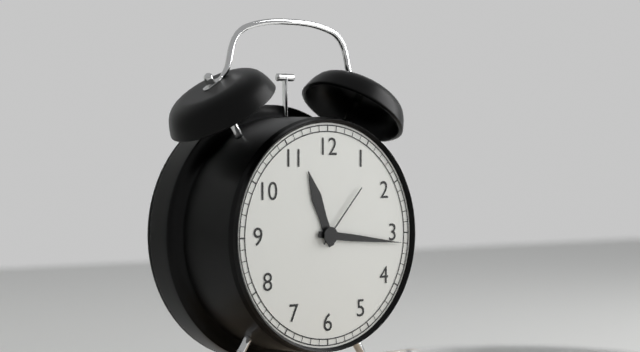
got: 11h16m07s
